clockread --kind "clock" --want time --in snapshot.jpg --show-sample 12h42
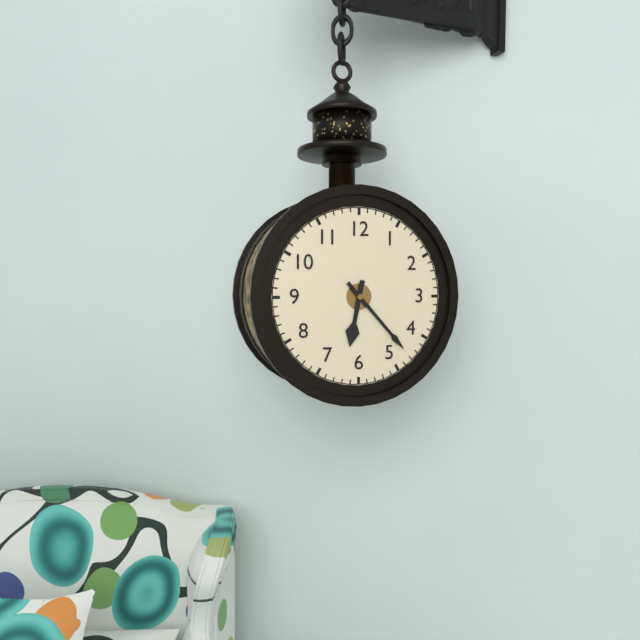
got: 6h23
